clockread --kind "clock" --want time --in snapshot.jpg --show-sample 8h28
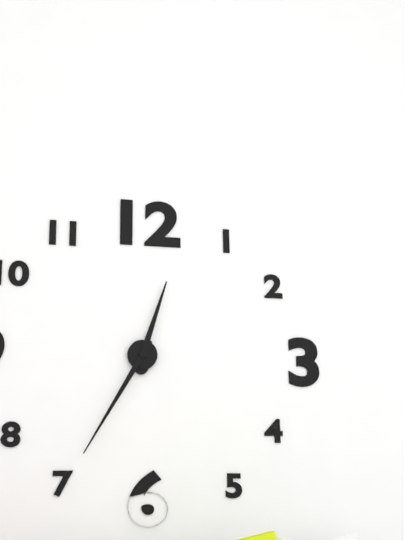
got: 12h35
